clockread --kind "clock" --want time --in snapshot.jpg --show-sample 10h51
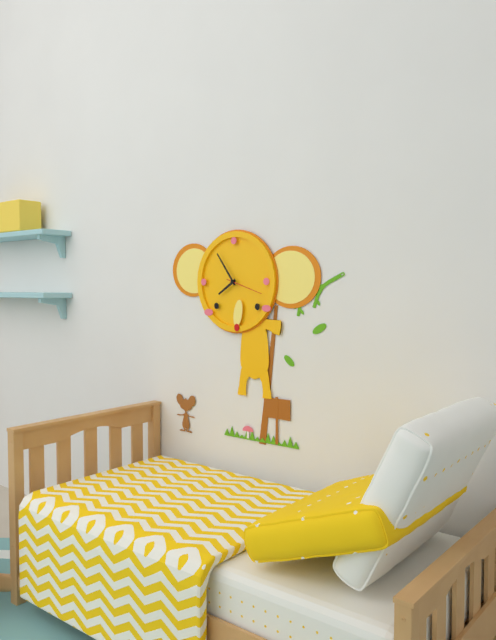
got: 7h54
